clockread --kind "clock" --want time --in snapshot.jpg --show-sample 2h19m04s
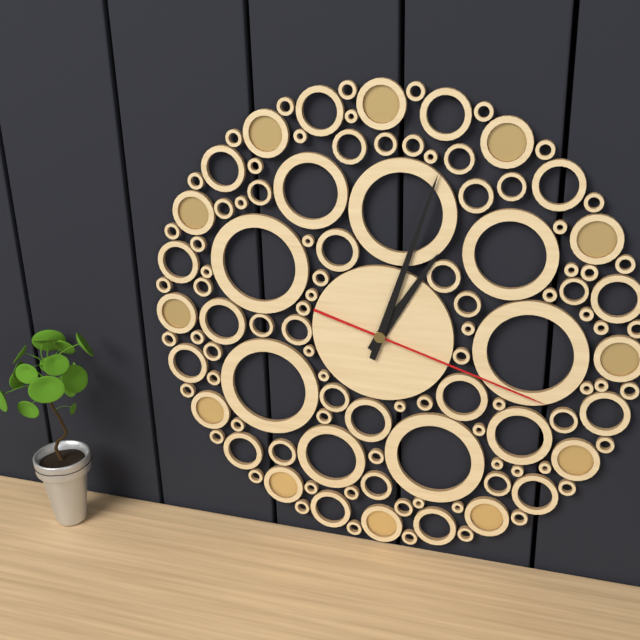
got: 1h03m18s
